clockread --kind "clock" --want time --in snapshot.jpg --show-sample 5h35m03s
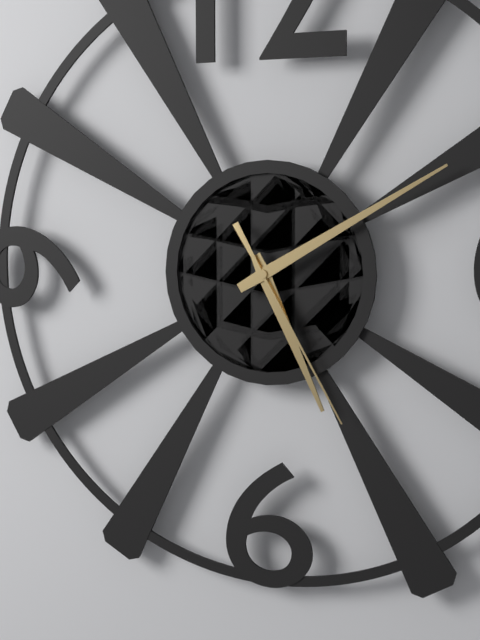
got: 5h10m25s
